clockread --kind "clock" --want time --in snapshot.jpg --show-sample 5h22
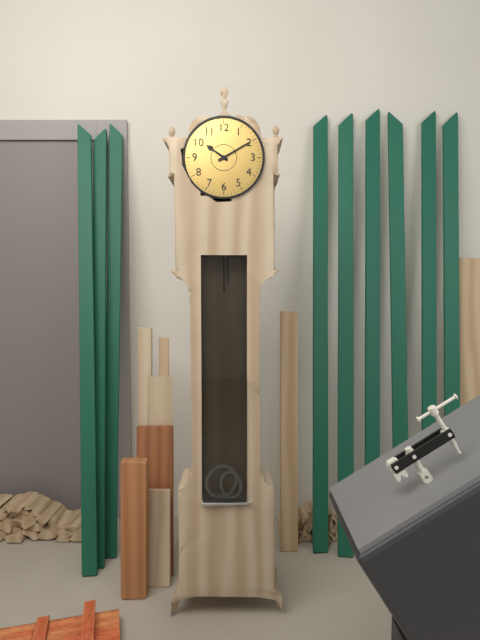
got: 10h10
